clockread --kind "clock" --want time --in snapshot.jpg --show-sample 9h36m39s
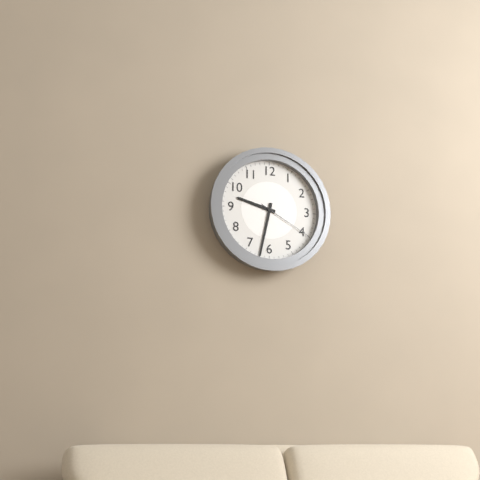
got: 9h32m20s
